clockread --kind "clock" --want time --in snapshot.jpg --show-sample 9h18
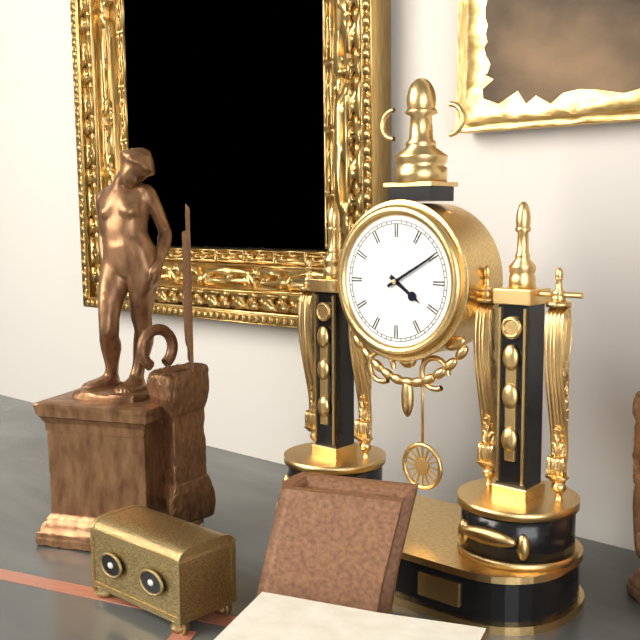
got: 4h10
